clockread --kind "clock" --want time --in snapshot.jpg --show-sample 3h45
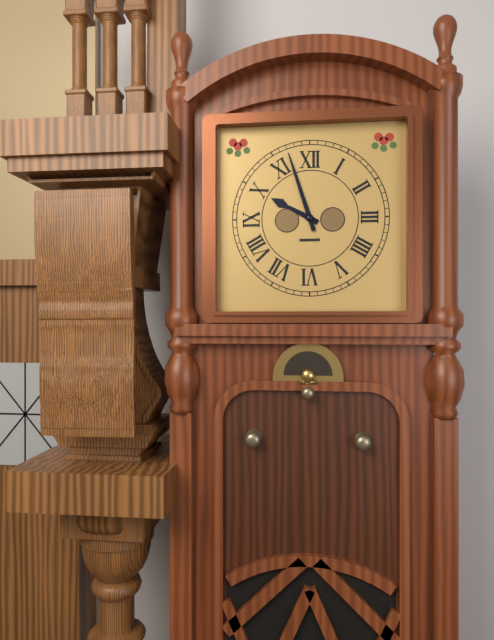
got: 9h57
